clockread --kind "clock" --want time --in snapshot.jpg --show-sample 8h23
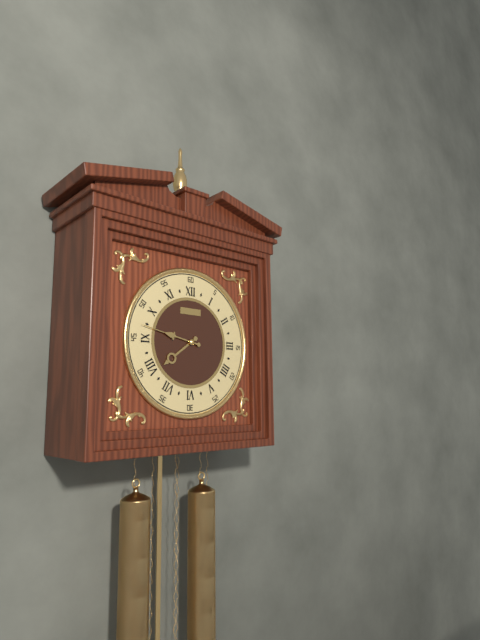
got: 7h47
